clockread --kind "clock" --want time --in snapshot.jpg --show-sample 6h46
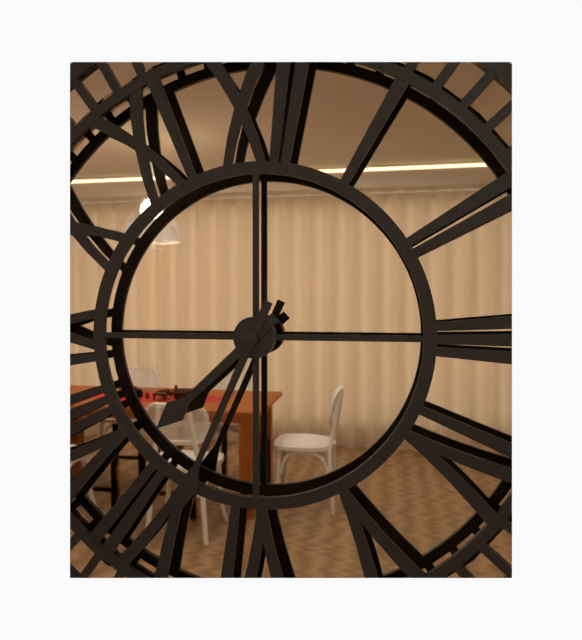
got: 7h34
